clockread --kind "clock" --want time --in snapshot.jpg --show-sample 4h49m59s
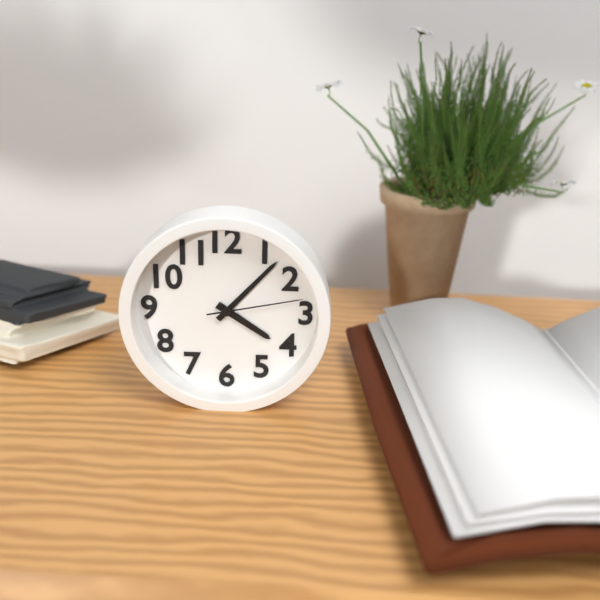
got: 4h07m13s
